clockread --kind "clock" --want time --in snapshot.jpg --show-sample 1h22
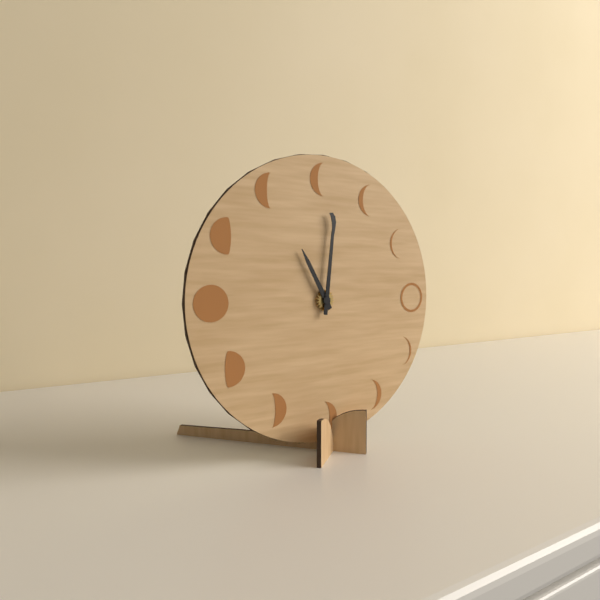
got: 11h01
